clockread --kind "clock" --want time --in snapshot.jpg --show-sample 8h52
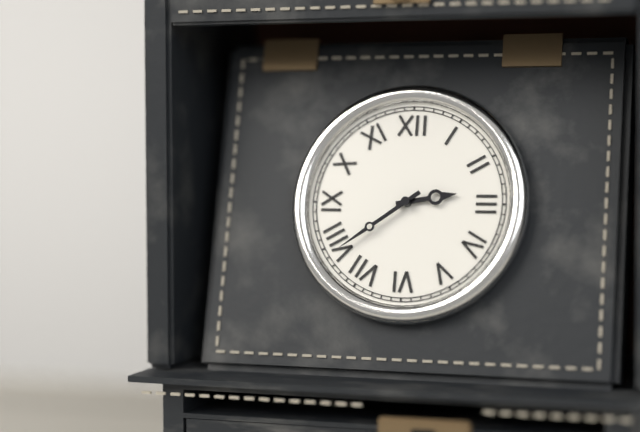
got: 2h39
